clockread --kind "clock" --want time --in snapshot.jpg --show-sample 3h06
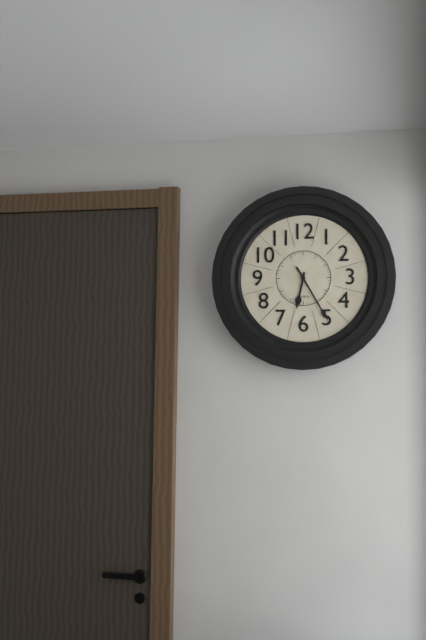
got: 6h25
